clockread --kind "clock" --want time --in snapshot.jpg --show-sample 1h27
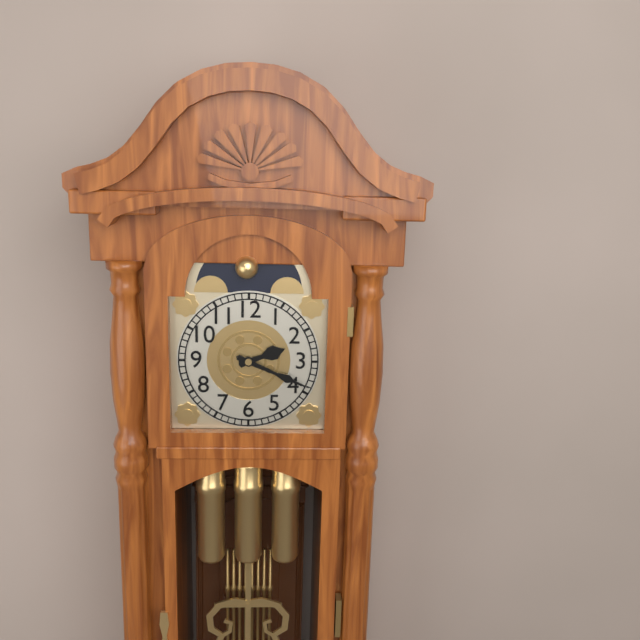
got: 2h19
